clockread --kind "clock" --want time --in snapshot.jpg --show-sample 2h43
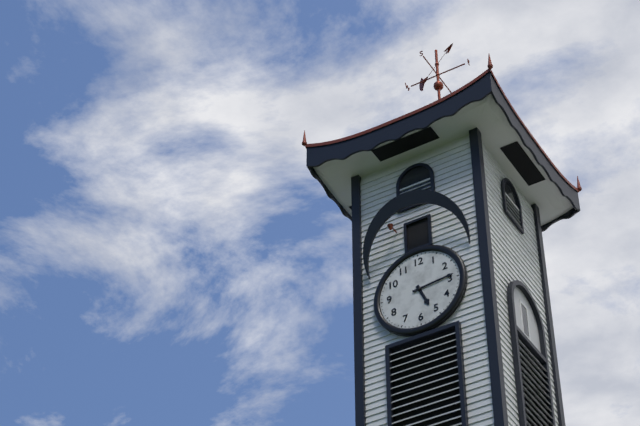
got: 5h14
